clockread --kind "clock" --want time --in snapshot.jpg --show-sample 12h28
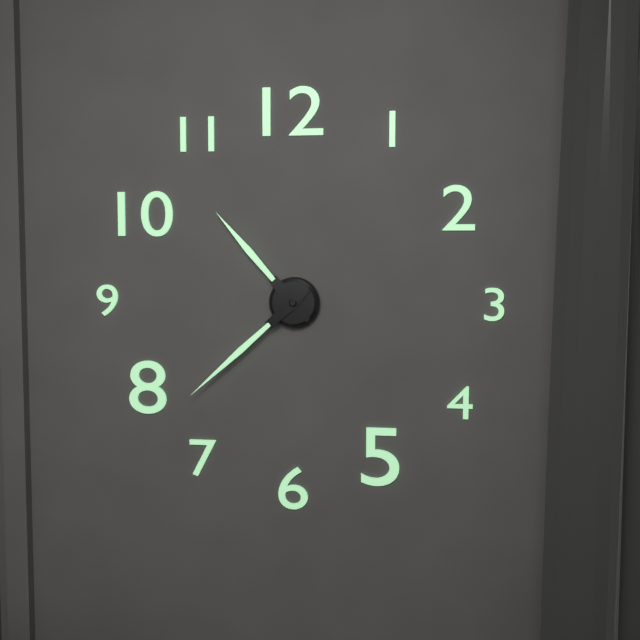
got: 10h38
